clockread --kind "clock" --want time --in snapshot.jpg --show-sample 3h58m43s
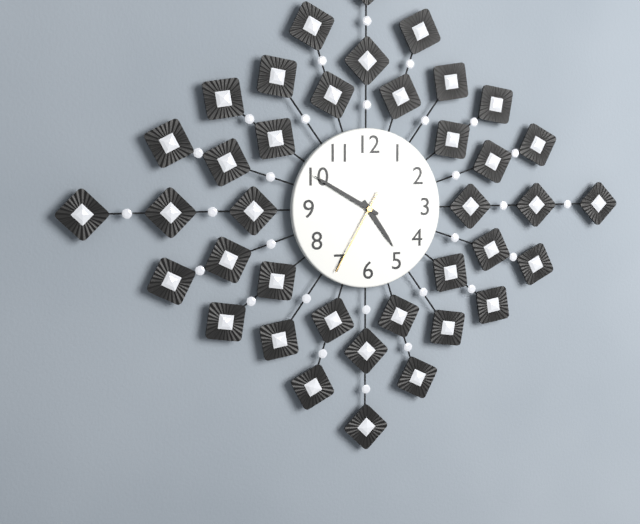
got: 4h50m35s
